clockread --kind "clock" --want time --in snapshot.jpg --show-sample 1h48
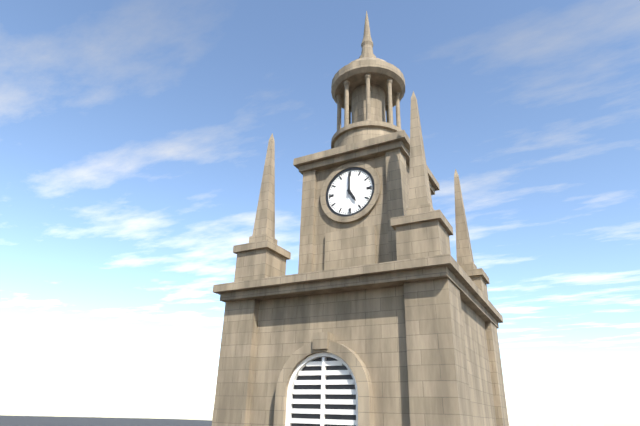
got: 5h00
